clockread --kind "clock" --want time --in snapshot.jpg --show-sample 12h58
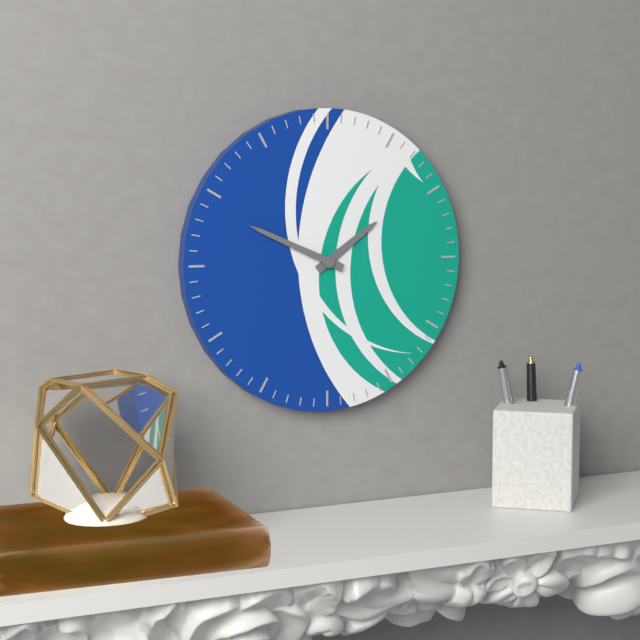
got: 1h49
